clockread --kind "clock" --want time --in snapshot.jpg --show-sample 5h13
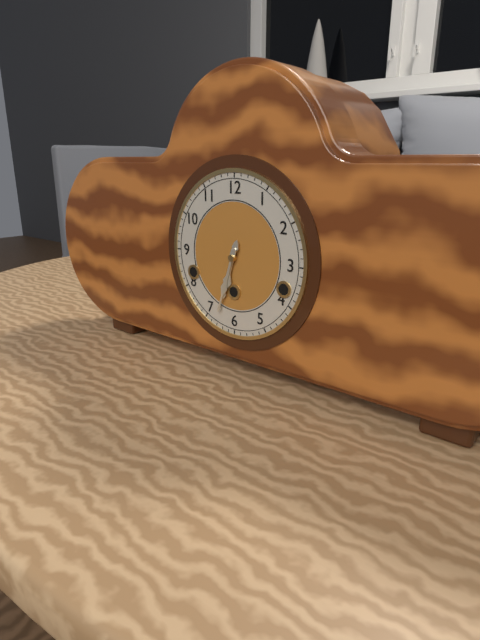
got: 6h33
